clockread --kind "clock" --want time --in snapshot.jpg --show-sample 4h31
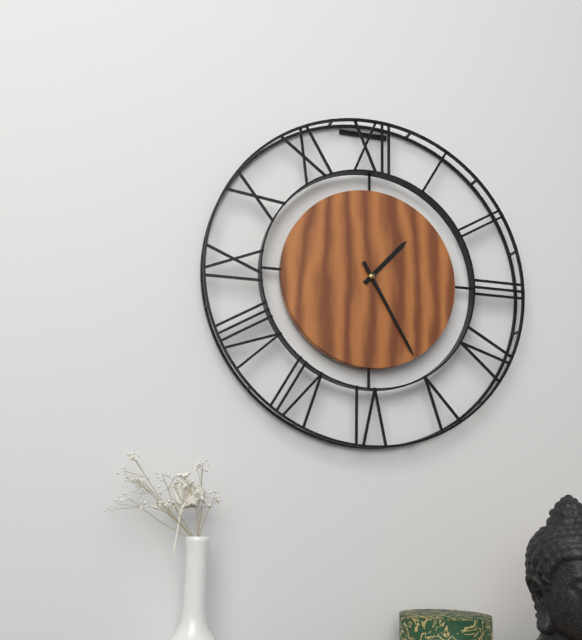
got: 1h25
